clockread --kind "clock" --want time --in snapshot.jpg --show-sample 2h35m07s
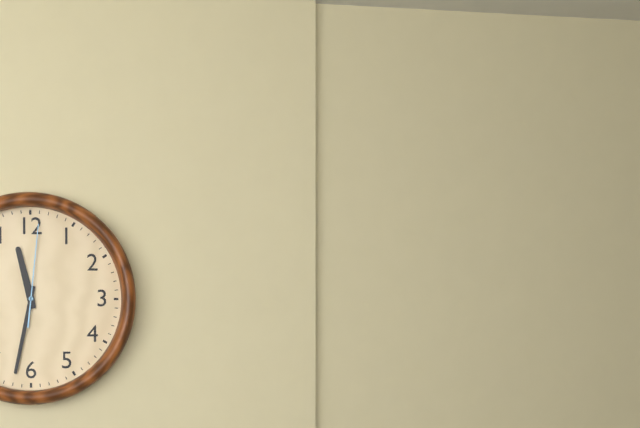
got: 11h32m01s
